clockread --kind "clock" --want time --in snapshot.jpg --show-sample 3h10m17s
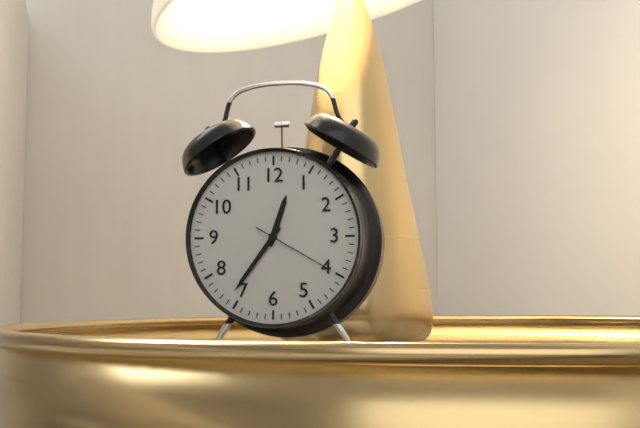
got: 12h36m20s
